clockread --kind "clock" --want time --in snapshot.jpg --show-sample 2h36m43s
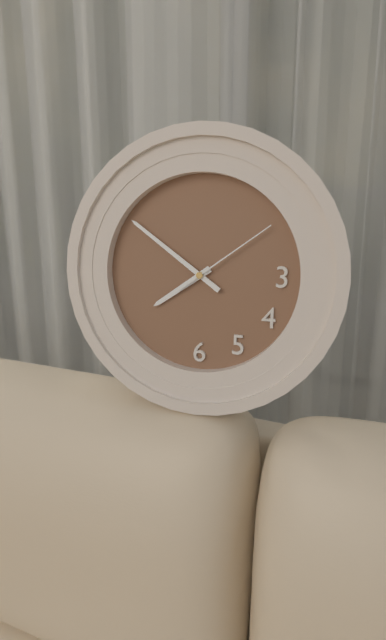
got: 7h51m09s
